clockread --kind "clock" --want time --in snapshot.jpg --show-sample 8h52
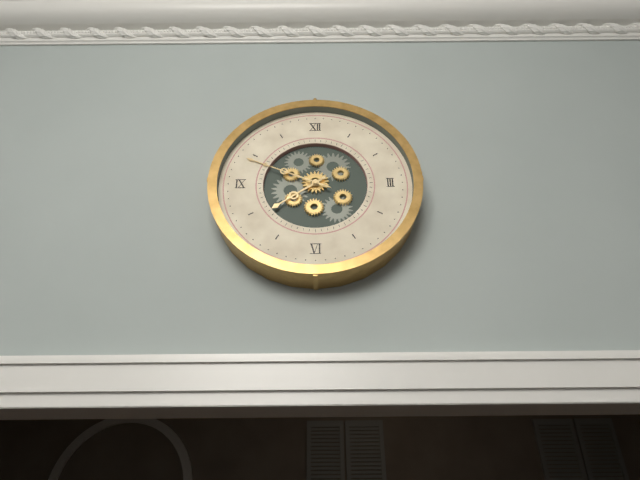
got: 7h49
